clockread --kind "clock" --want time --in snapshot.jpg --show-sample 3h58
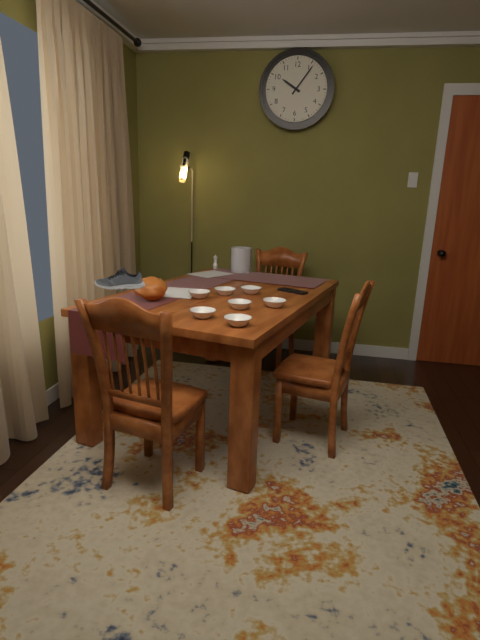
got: 10h06
